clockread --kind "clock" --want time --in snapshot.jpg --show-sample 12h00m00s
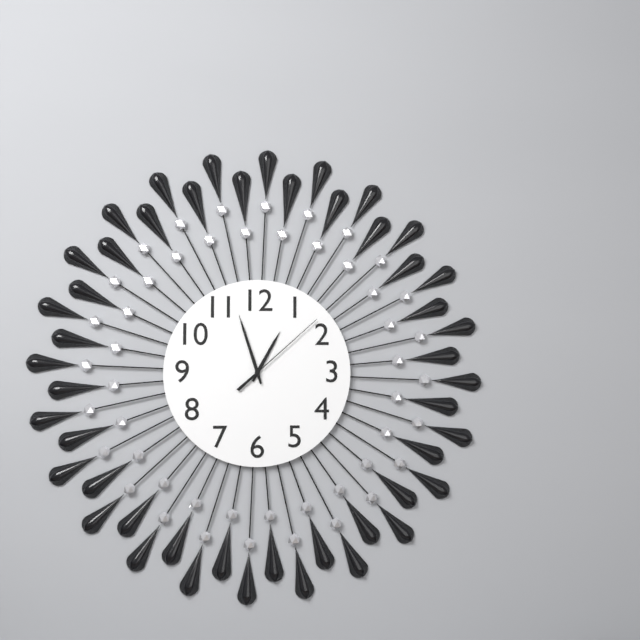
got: 12h57m08s
